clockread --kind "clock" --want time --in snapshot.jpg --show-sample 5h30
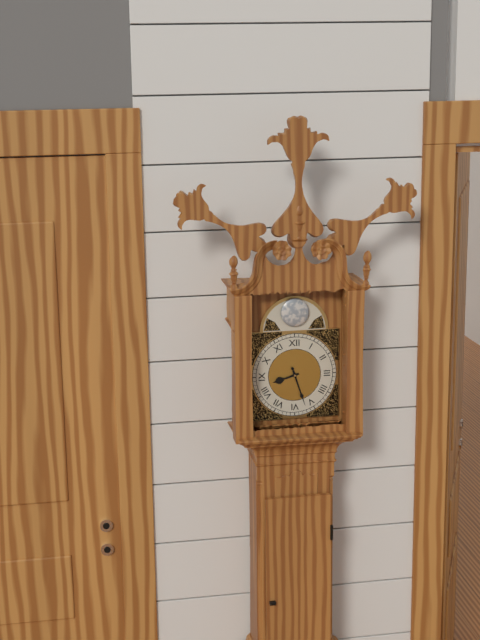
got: 8h27
